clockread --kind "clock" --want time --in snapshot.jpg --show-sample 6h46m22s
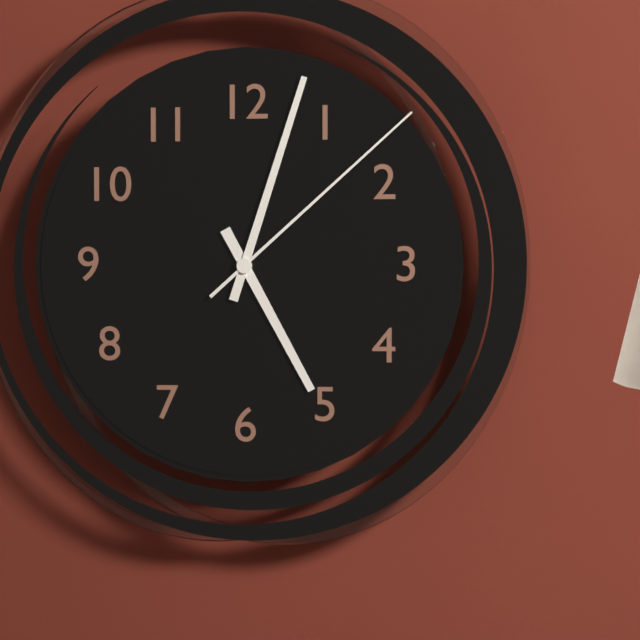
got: 5h03m08s
